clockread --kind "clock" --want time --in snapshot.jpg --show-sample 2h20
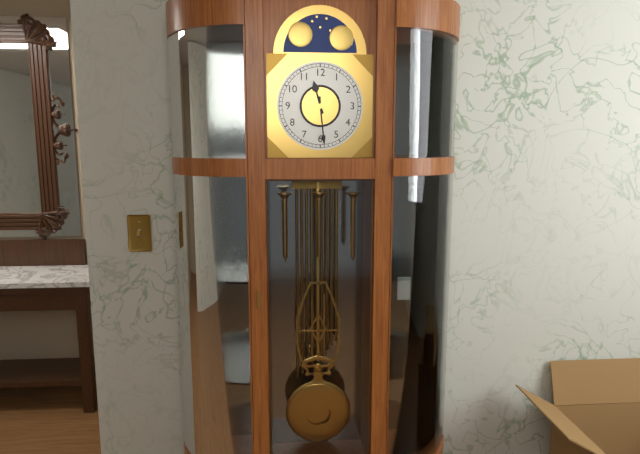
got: 11h29
